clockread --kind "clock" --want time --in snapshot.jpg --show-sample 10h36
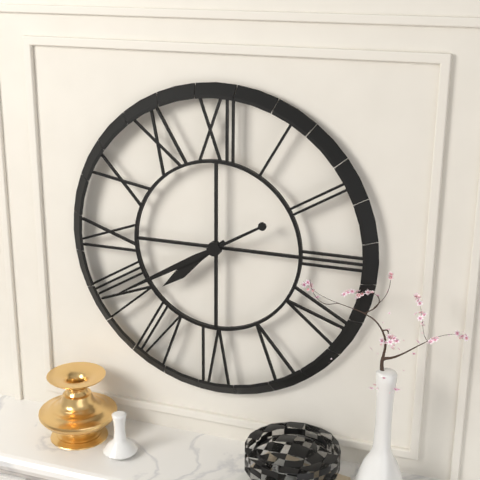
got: 7h40
